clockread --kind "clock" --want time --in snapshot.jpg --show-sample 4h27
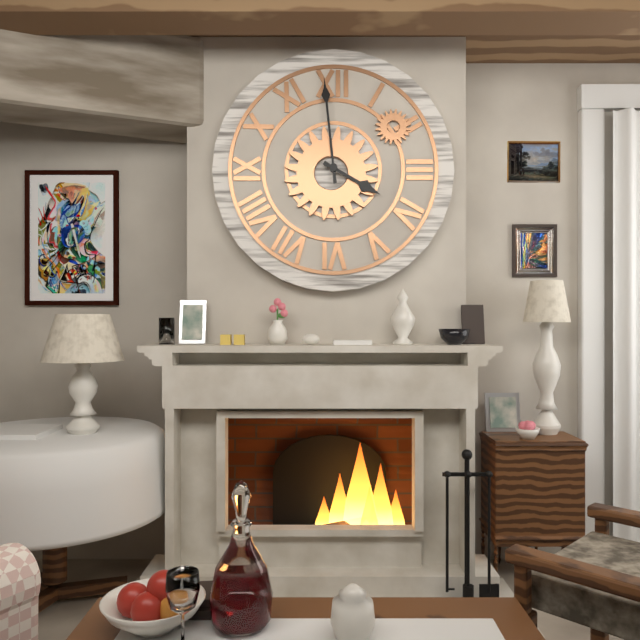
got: 3h59
